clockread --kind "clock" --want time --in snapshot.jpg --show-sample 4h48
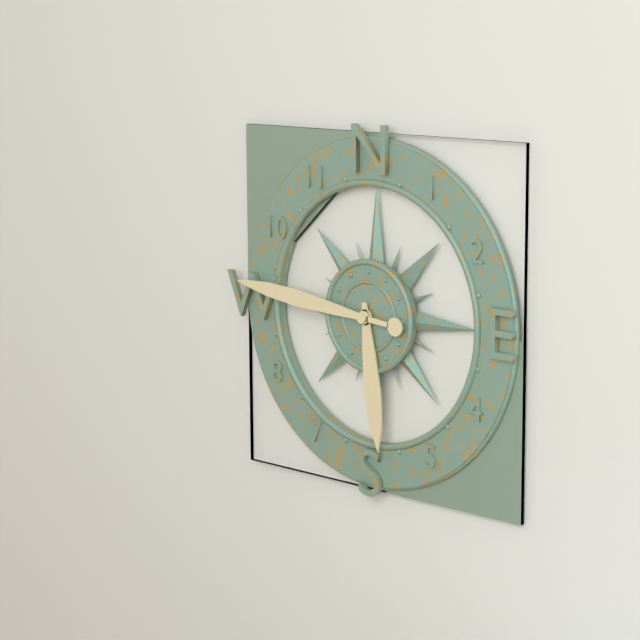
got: 5h46
